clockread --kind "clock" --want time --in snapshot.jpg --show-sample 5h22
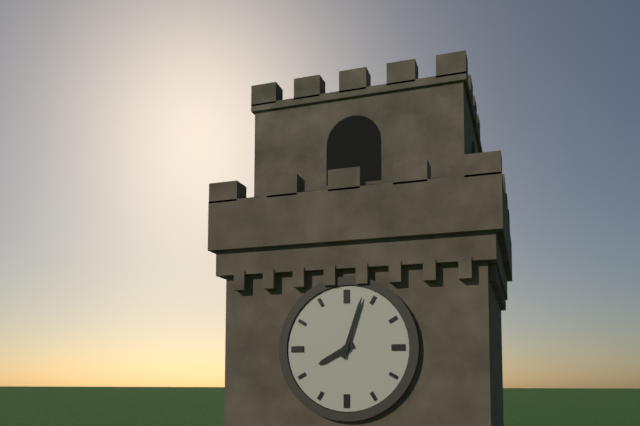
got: 8h03
